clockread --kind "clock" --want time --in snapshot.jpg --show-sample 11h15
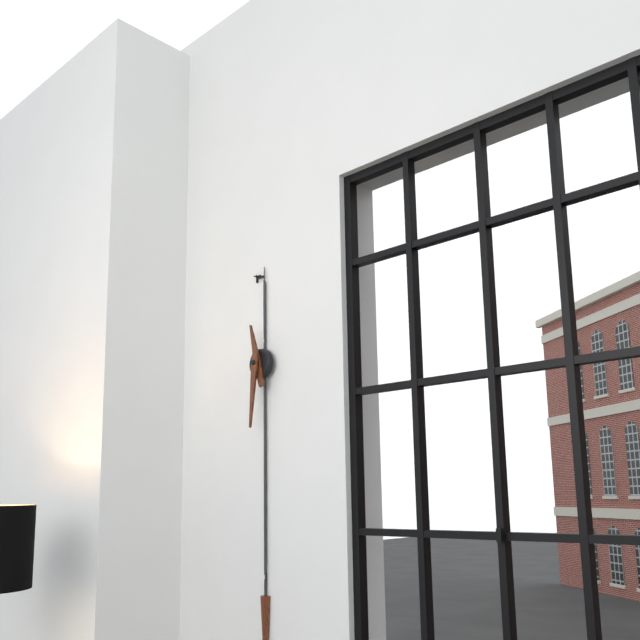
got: 11h31
